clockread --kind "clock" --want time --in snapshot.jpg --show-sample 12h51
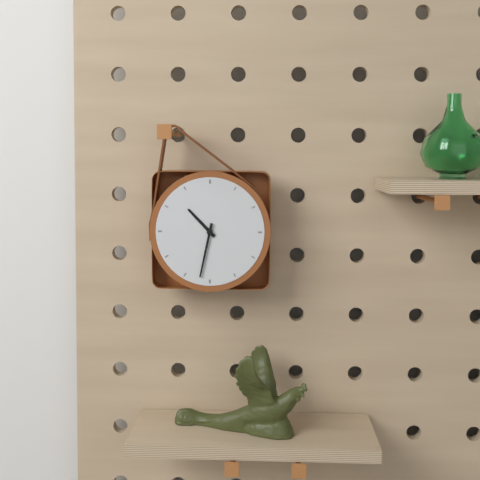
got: 10h32
